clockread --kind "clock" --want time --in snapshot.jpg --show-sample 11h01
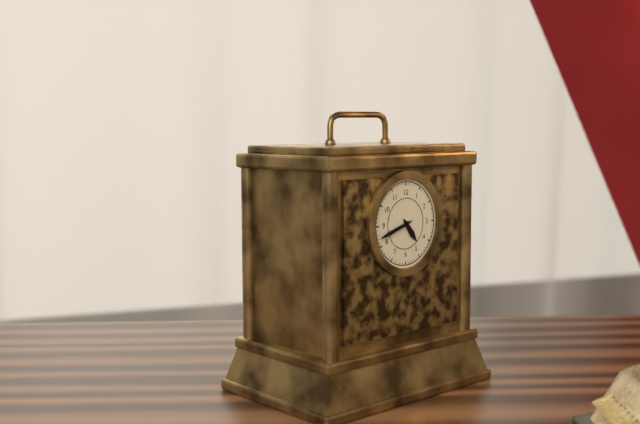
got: 4h42
